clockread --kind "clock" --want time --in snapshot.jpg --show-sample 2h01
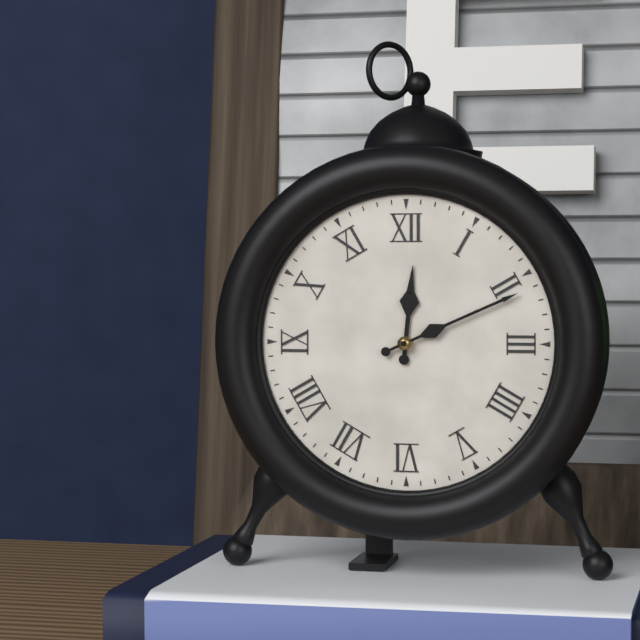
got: 12h11
